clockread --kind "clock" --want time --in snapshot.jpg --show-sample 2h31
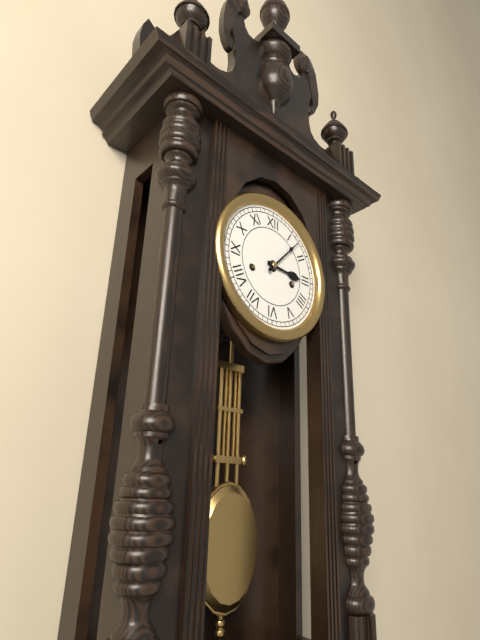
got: 3h07
